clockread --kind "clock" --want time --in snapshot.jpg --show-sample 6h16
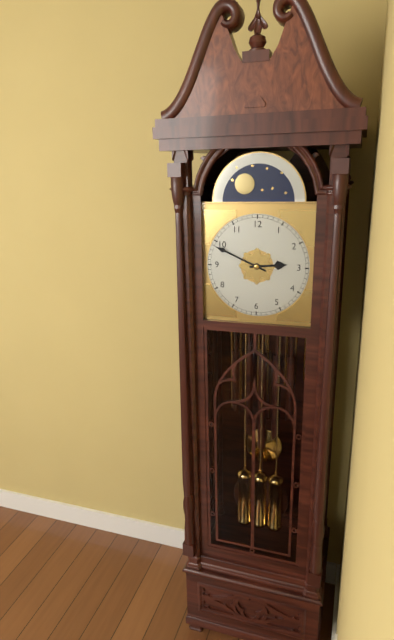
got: 2h49
